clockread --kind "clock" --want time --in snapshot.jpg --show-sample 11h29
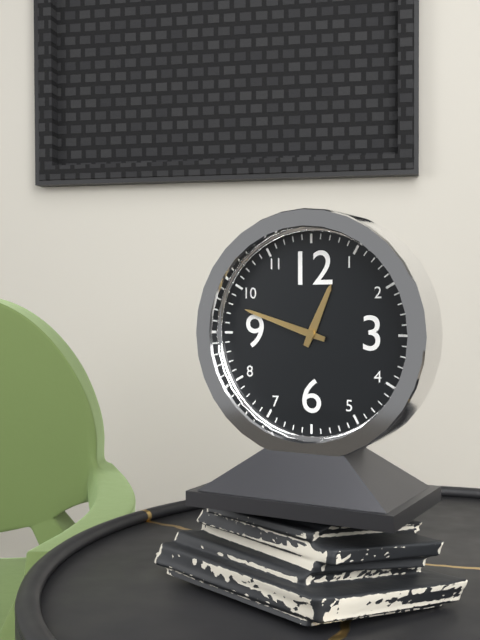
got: 12h48
